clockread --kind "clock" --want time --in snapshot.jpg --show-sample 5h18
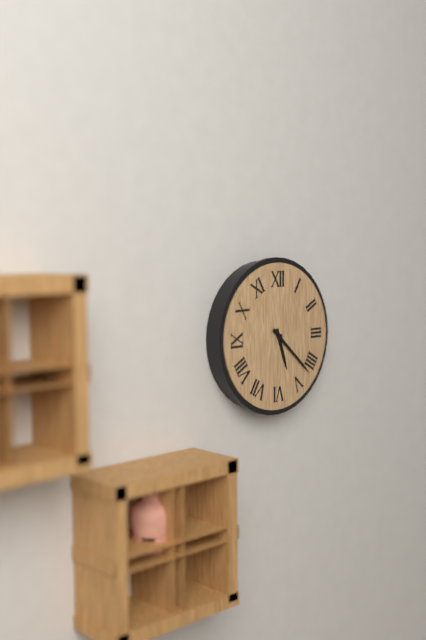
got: 5h22
